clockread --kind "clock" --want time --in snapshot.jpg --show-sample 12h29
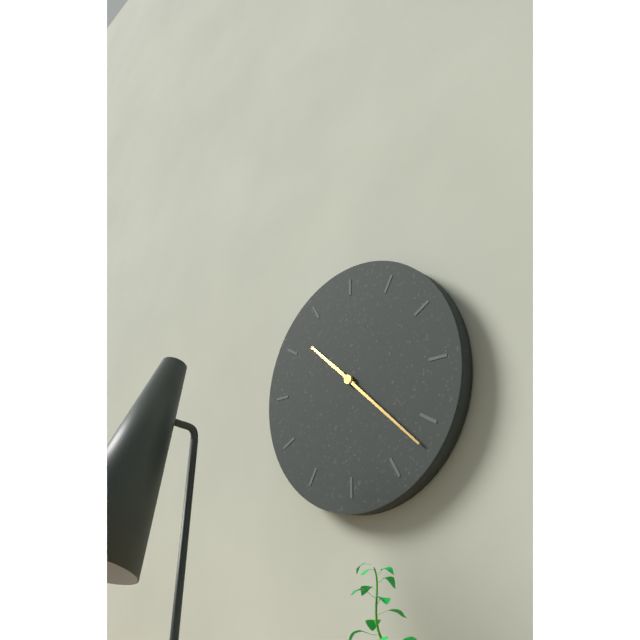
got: 10h22
